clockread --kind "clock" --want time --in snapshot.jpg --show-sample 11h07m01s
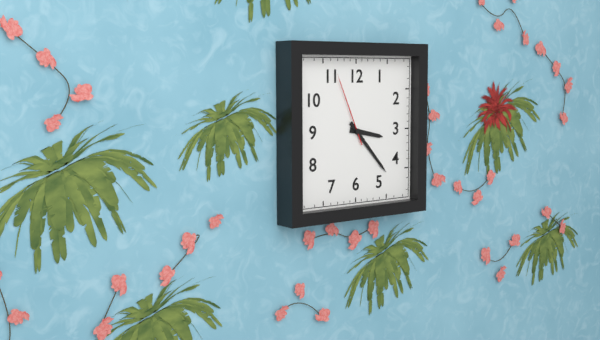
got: 3h23m56s
